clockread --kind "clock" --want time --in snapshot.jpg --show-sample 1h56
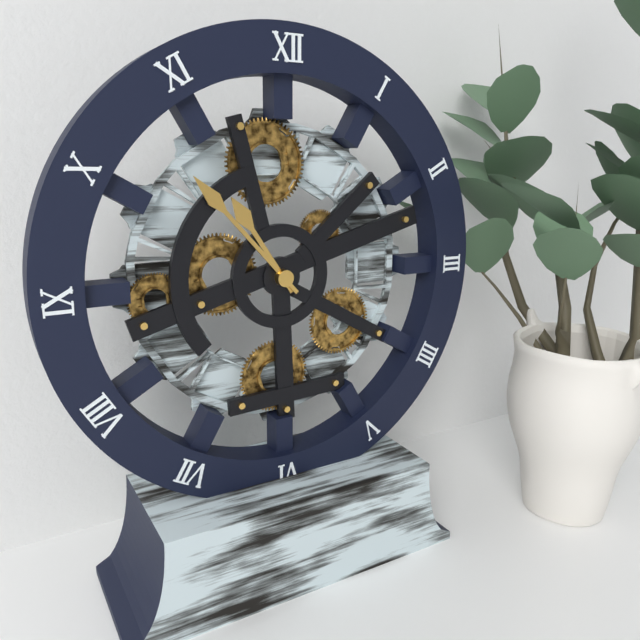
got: 10h53
